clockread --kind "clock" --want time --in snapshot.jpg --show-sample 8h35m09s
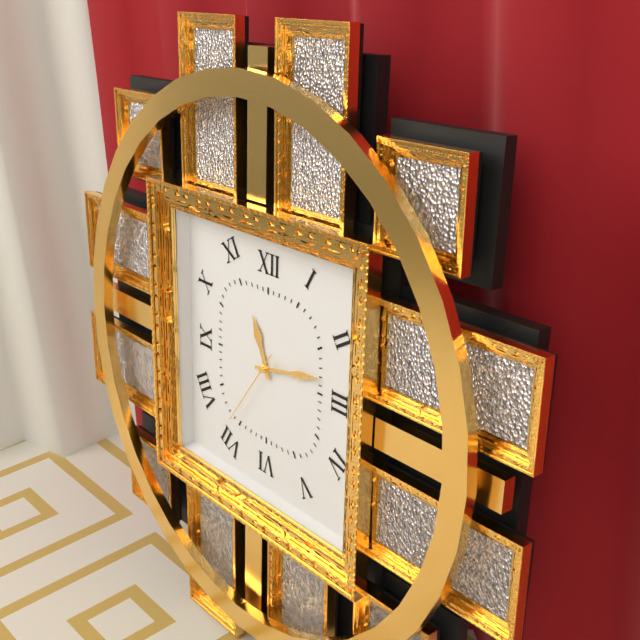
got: 11h13m36s
